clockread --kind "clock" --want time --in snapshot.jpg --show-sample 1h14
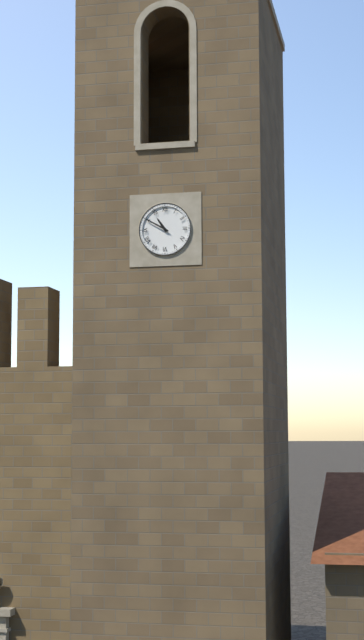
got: 10h50
